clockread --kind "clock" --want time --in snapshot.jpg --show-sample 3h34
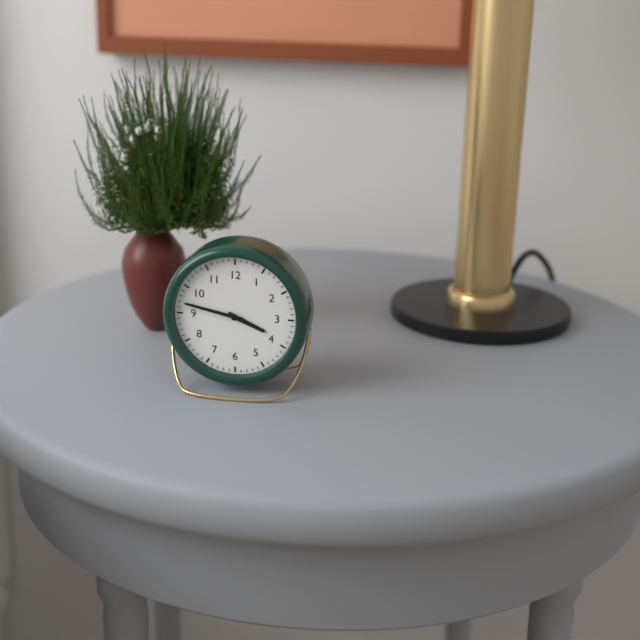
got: 3h47
